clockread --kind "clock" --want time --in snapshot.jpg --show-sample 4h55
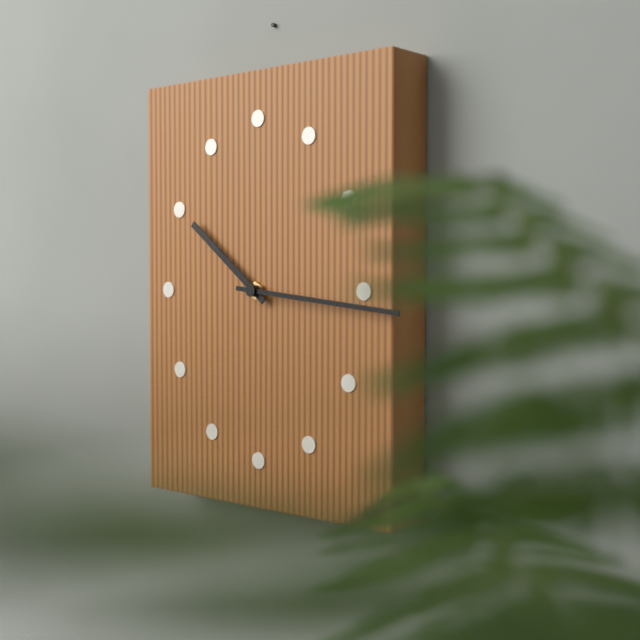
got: 10h16
